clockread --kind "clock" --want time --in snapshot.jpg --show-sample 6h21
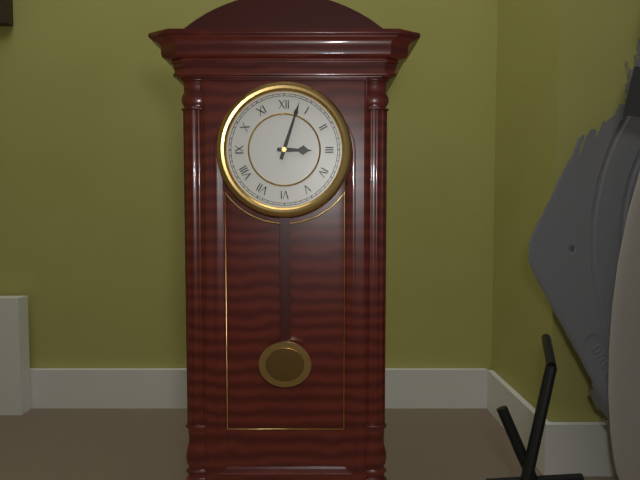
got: 3h03
